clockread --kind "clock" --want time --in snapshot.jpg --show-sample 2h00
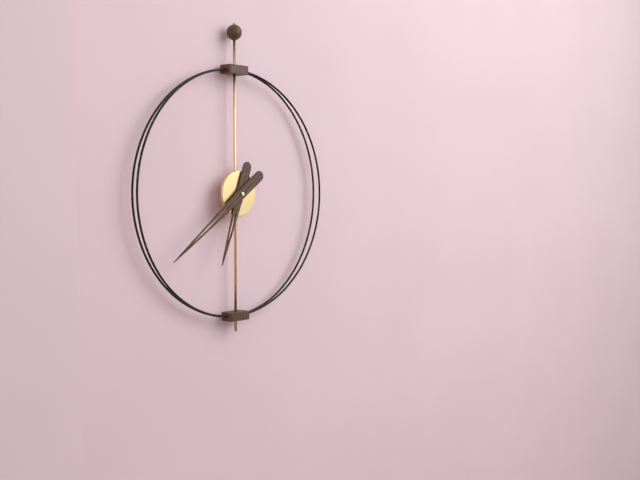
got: 6h39
